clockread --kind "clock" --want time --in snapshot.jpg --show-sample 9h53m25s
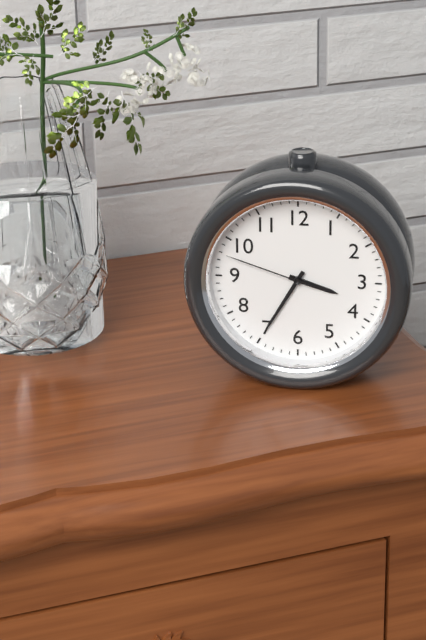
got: 3h35m48s
